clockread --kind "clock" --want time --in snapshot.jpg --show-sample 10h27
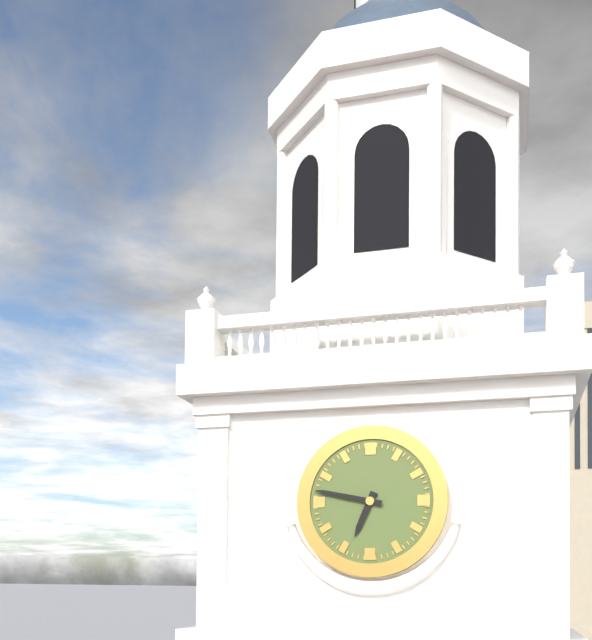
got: 6h47
